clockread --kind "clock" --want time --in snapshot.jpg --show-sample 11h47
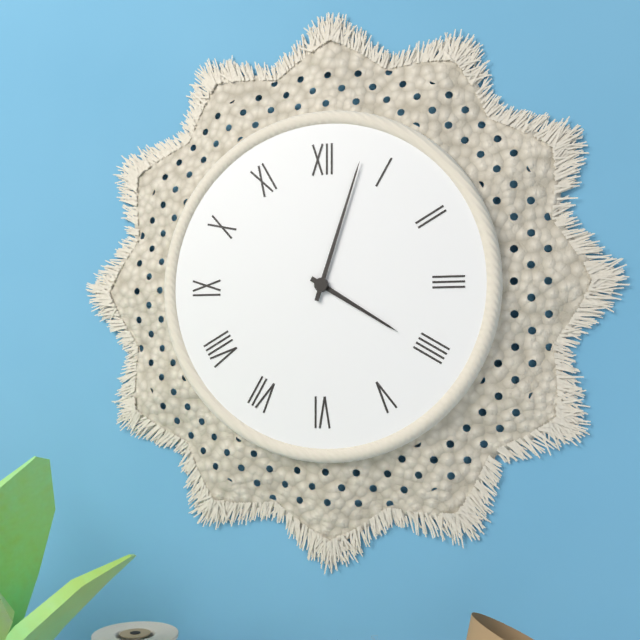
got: 4h03
